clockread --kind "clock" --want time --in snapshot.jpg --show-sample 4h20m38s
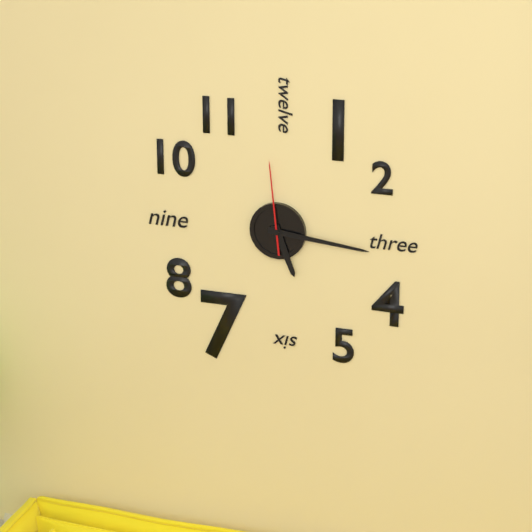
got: 5h16m59s
